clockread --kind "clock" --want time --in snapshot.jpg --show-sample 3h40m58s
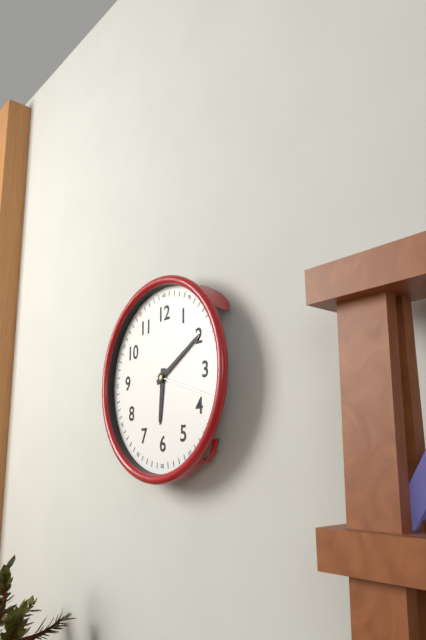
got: 6h10m18s
